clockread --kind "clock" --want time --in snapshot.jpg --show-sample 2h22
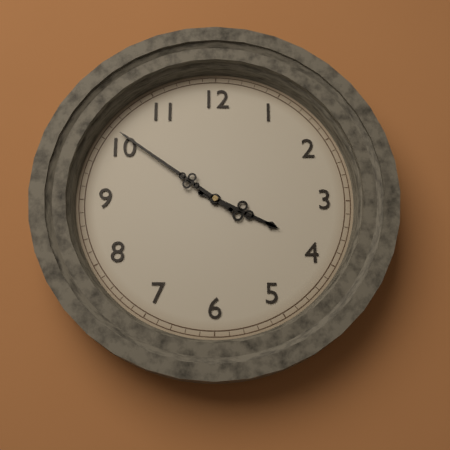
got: 3h51
